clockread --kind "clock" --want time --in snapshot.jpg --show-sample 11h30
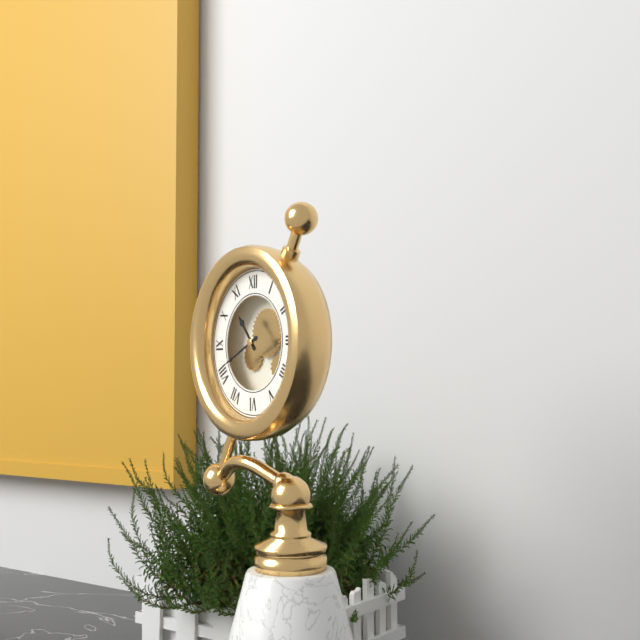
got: 10h41
